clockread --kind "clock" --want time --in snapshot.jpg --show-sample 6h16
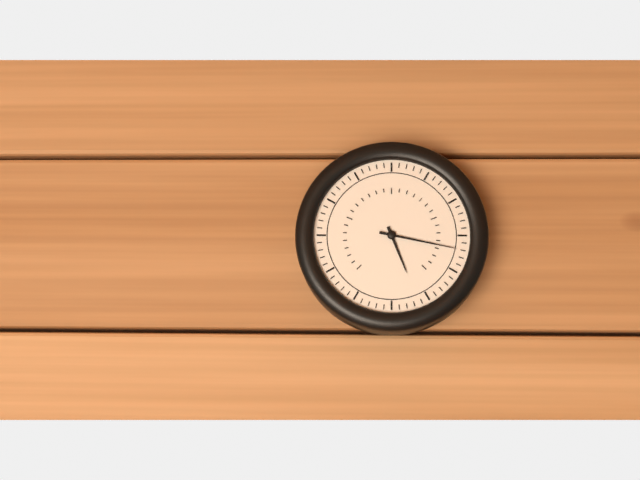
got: 5h17
